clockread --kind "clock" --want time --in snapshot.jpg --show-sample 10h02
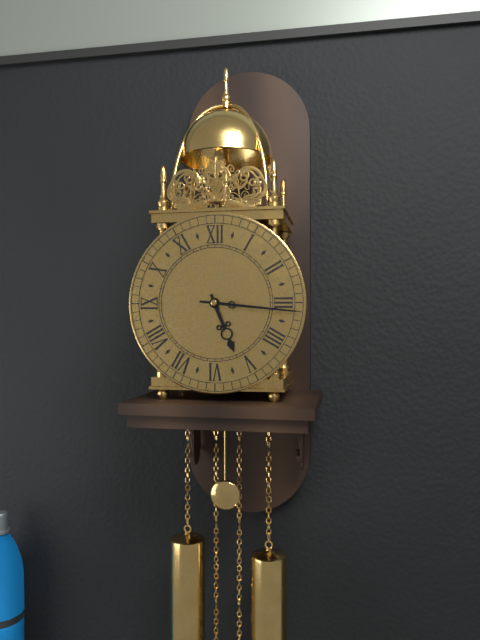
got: 5h16
